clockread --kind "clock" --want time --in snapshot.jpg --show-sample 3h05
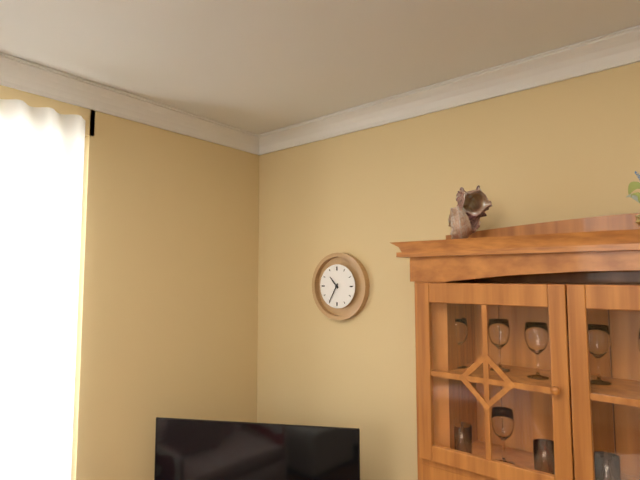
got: 10h35
